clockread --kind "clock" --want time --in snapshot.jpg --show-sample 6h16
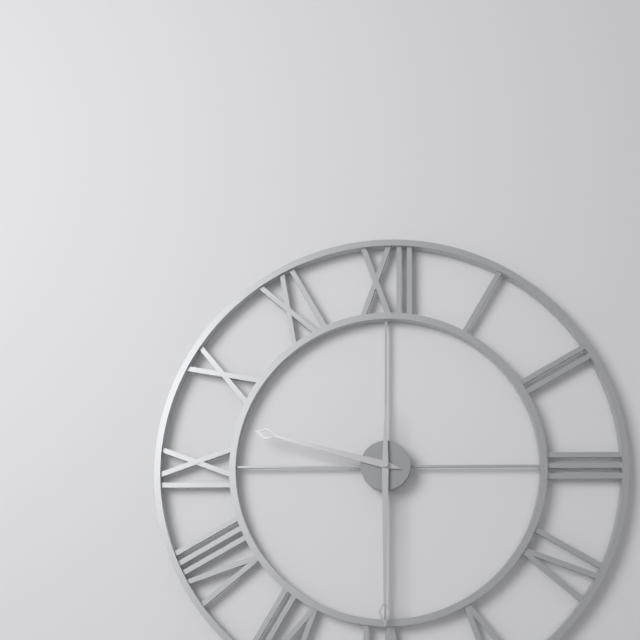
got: 9h30
